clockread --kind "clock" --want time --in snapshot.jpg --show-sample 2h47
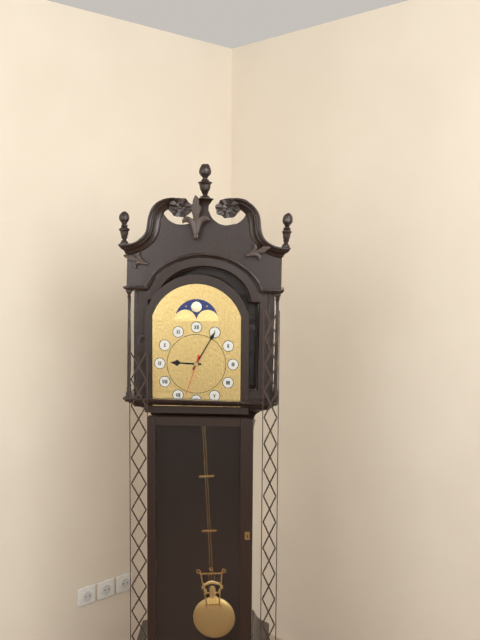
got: 9h05
